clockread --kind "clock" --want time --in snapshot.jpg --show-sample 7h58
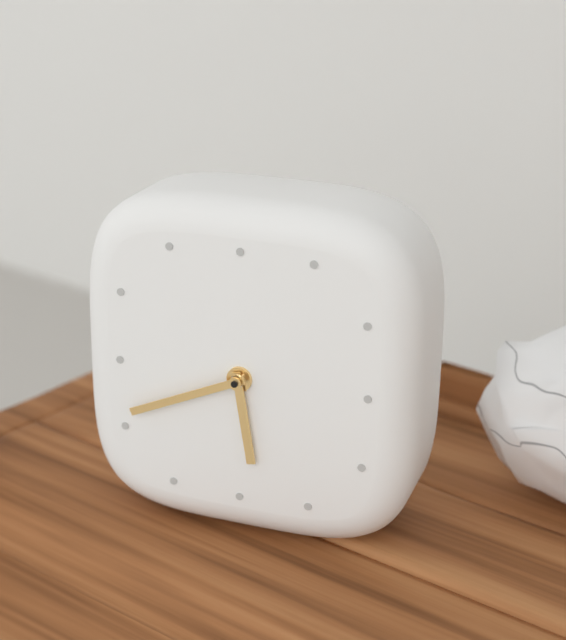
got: 5h41
